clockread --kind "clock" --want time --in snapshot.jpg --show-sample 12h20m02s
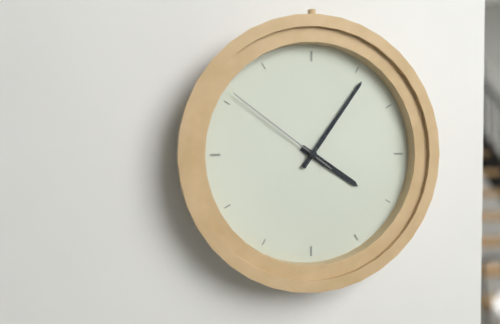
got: 4h06m51s
